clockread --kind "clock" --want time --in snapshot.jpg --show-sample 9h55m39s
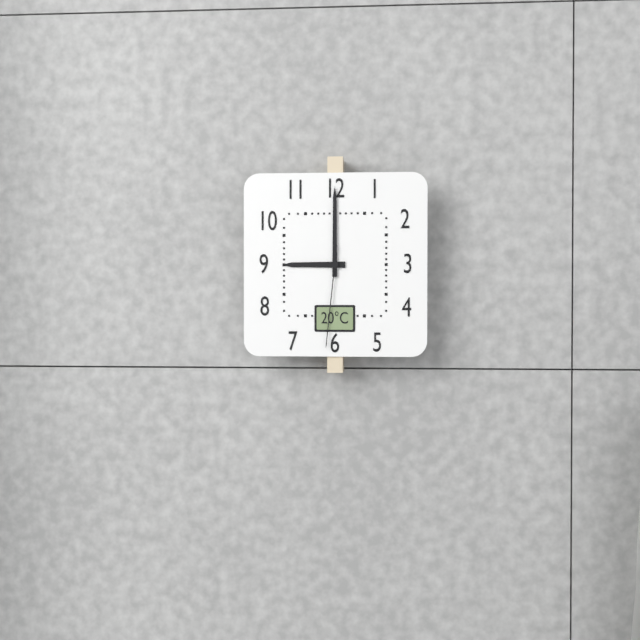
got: 9h00m31s
